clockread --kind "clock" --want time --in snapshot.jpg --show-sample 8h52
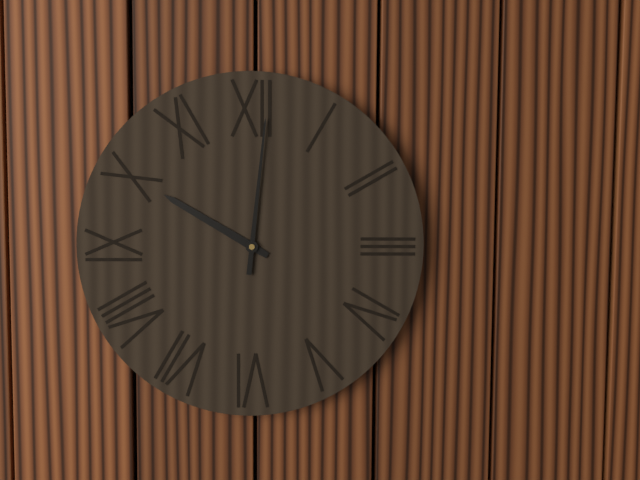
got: 10h01
